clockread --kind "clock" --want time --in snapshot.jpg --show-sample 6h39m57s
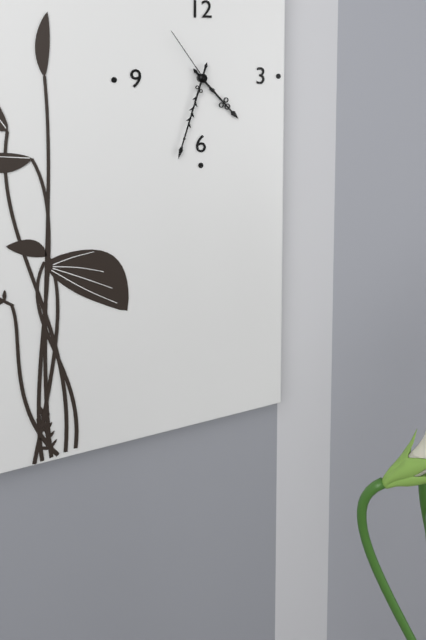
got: 4h33m54s
